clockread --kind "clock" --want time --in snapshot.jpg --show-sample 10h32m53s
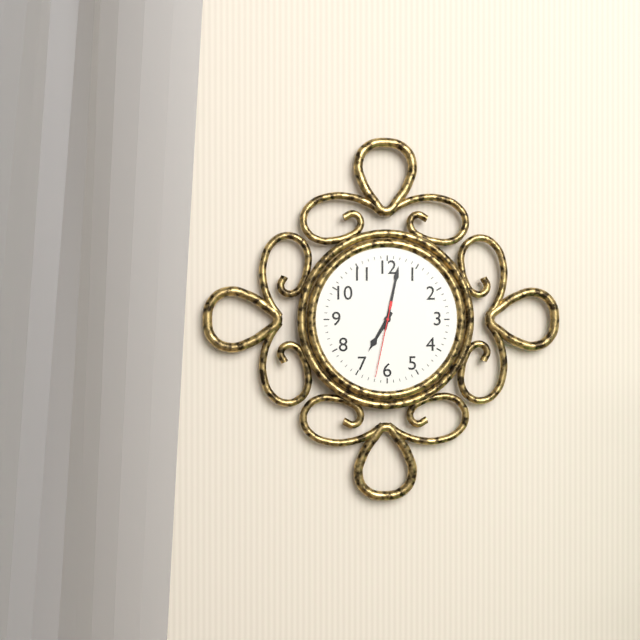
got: 7h02m32s
